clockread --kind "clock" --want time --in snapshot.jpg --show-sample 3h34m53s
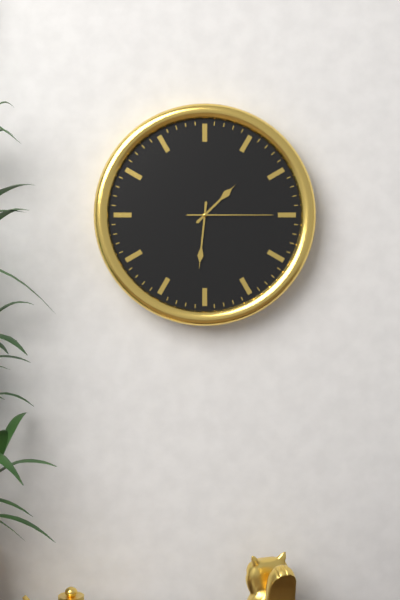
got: 1h31m15s
